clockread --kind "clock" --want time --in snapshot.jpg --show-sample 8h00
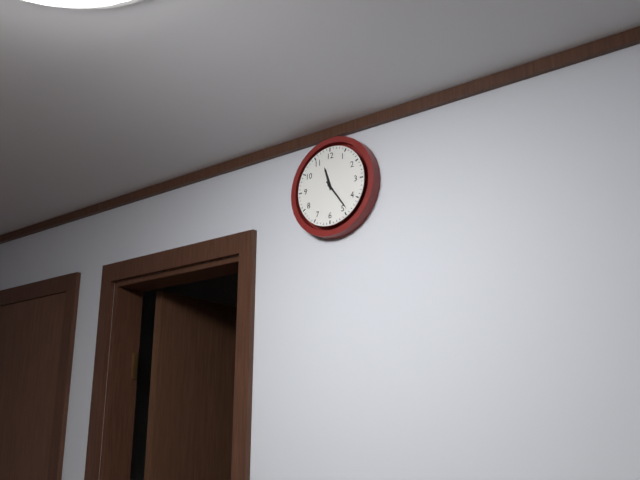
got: 11h24
